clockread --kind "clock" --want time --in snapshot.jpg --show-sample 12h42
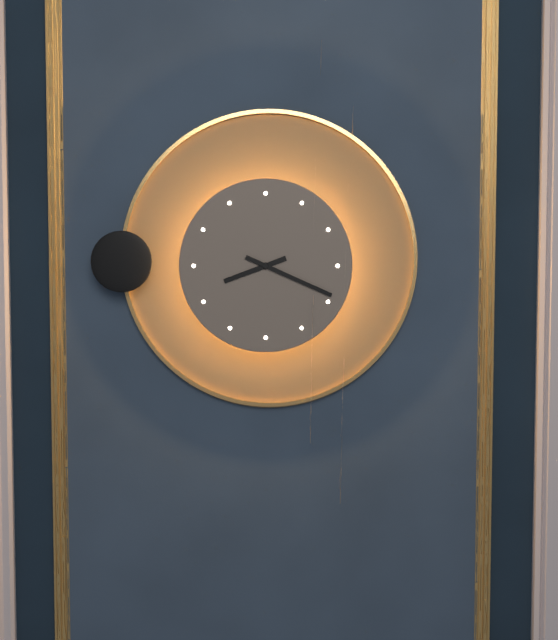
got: 8h19
